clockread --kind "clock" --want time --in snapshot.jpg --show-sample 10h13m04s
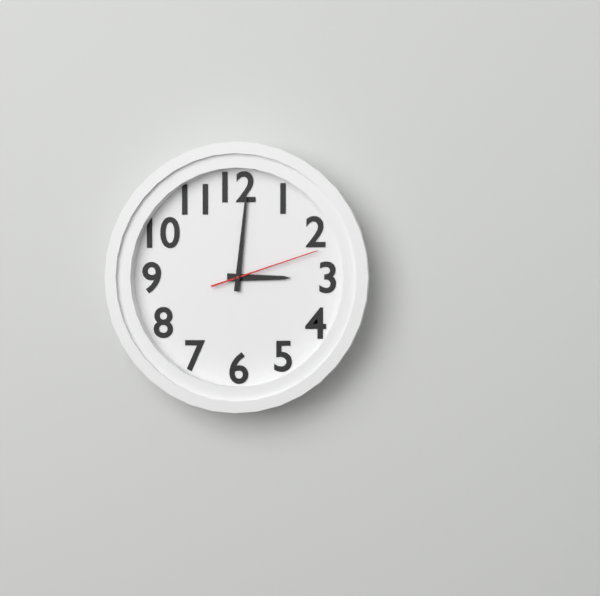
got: 3h01m12s
